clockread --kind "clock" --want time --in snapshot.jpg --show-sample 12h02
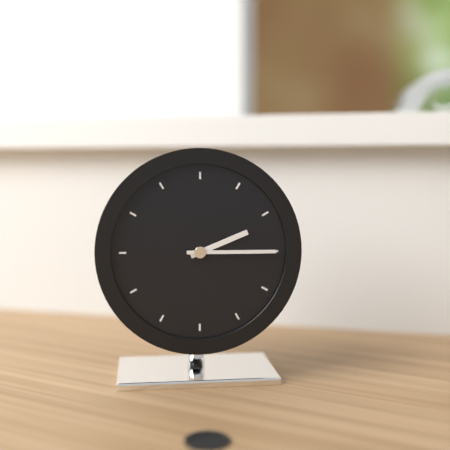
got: 2h15
